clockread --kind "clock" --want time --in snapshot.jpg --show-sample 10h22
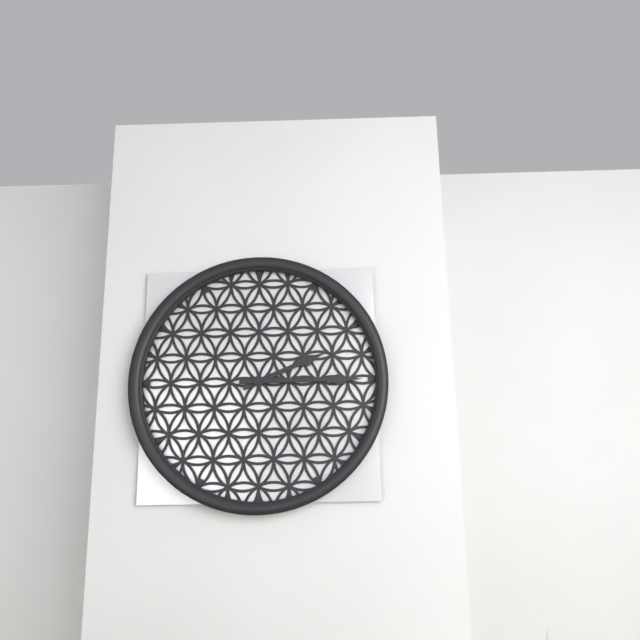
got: 2h15
